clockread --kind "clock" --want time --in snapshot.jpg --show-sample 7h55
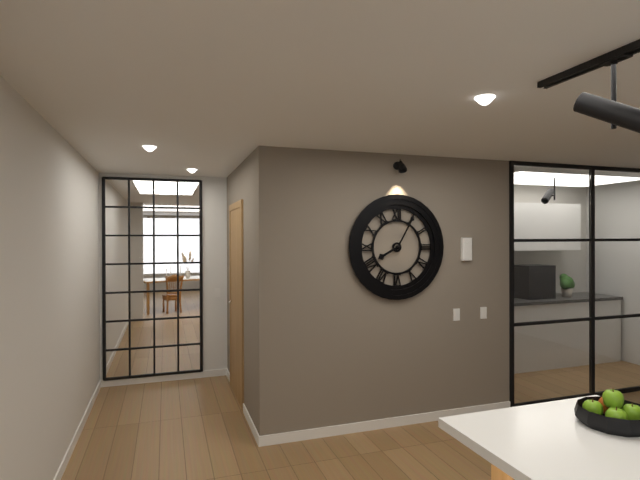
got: 8h05
